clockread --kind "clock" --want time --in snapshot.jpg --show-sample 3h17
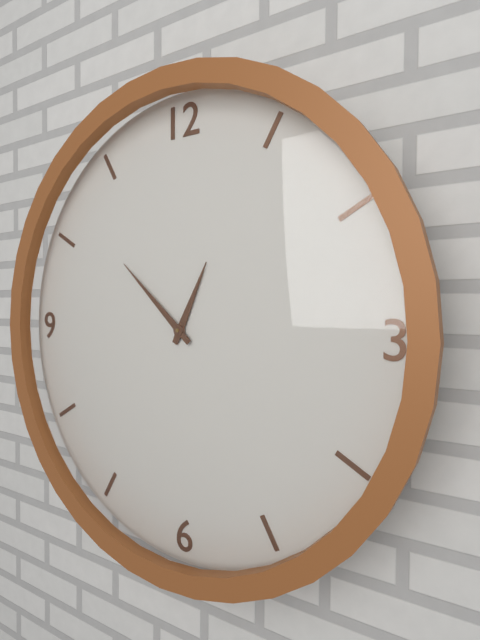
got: 12h52
